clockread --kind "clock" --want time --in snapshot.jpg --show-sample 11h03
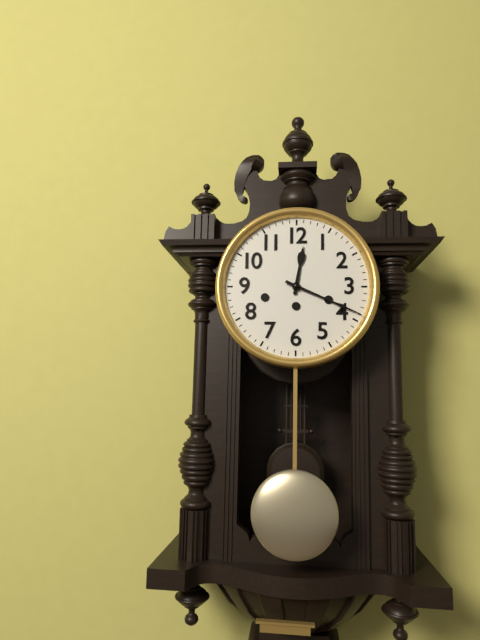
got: 12h19
